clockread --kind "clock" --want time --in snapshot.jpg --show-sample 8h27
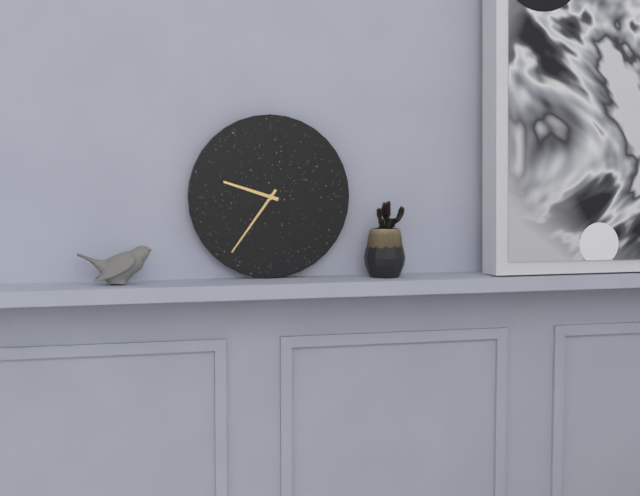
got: 9h36
